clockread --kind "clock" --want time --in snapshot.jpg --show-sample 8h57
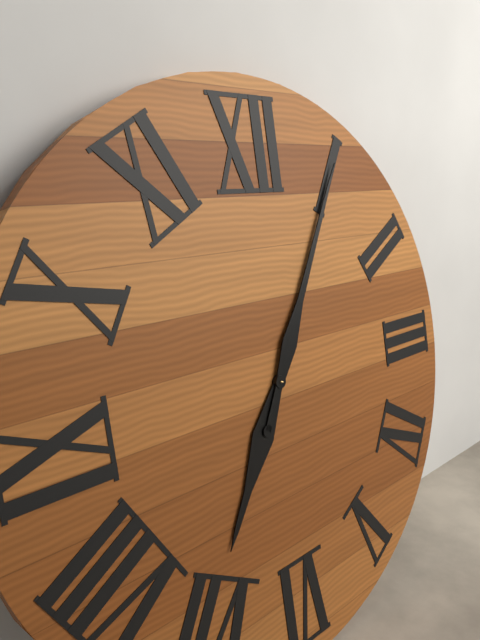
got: 7h05
